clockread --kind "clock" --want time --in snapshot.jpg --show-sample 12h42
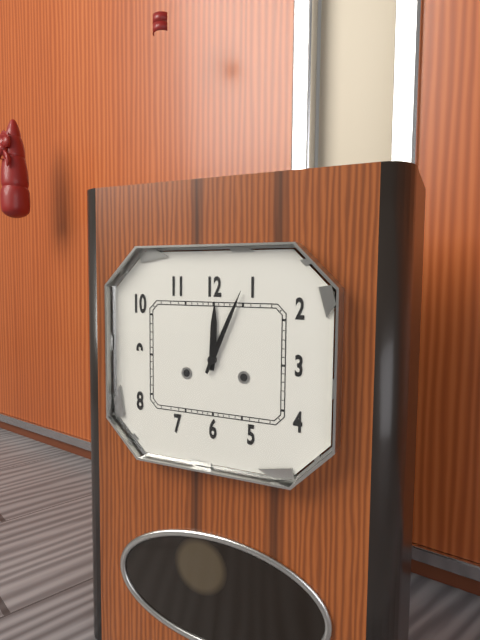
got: 12h04
